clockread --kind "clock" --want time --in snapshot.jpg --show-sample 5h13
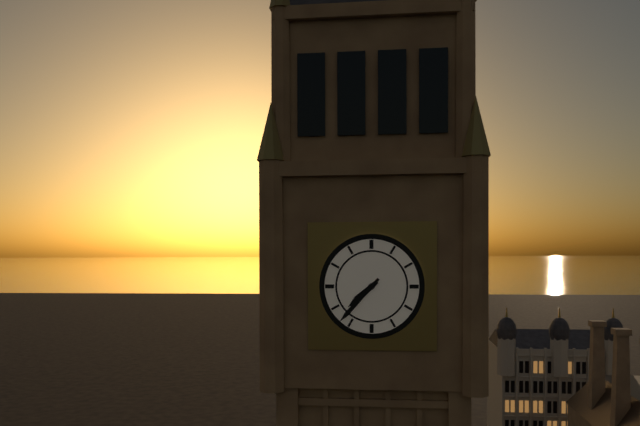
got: 7h37
